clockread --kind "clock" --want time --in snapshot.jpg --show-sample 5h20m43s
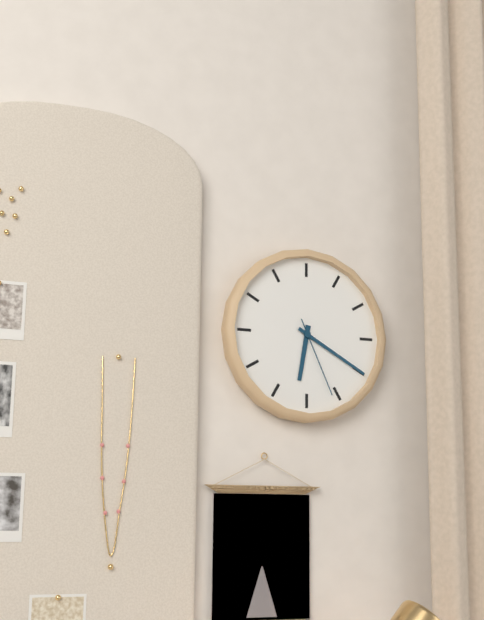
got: 6h20m26s
